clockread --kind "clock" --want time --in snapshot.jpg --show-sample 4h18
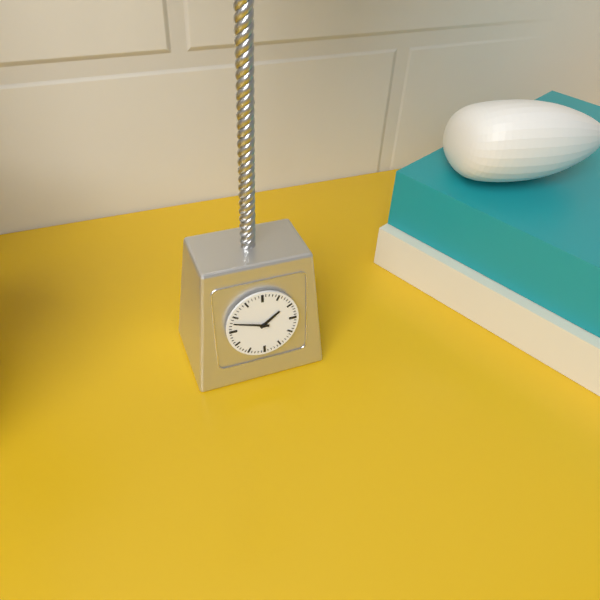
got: 1h48
